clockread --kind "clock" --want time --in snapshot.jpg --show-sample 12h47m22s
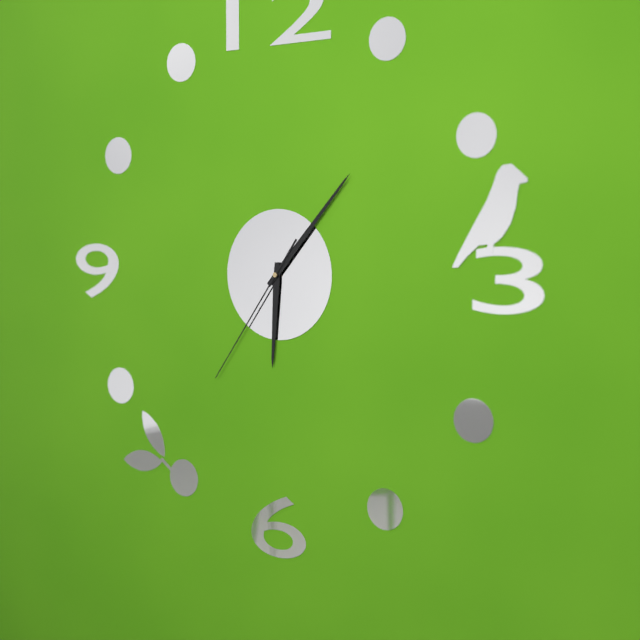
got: 6h07m36s
